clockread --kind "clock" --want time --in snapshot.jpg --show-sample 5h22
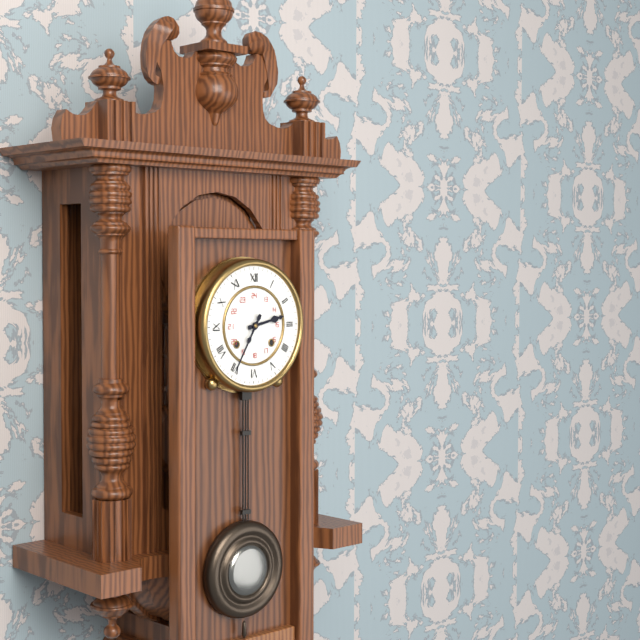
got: 2h35
